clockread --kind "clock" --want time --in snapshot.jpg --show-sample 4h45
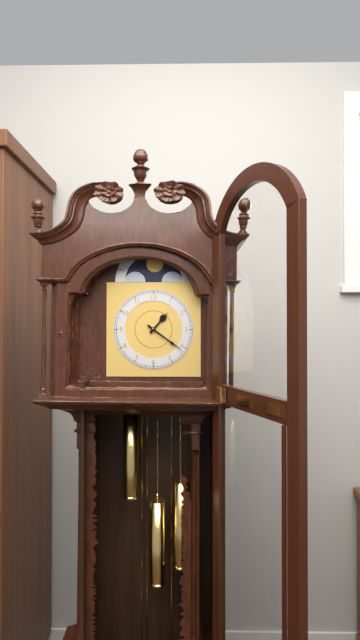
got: 1h21
